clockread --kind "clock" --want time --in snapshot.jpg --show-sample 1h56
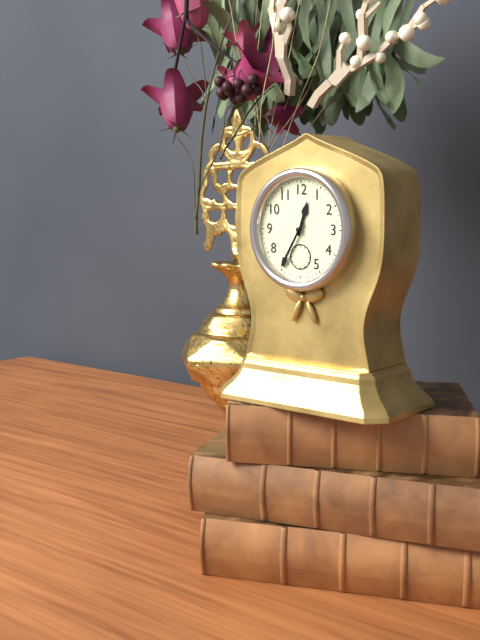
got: 12h35
